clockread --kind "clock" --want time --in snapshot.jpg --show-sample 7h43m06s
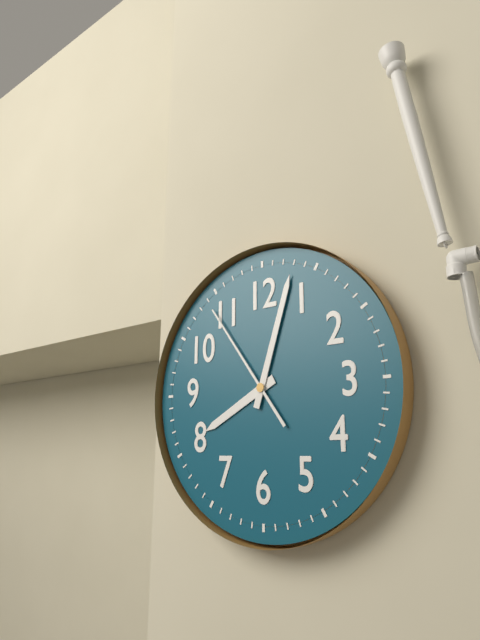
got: 8h03m54s
